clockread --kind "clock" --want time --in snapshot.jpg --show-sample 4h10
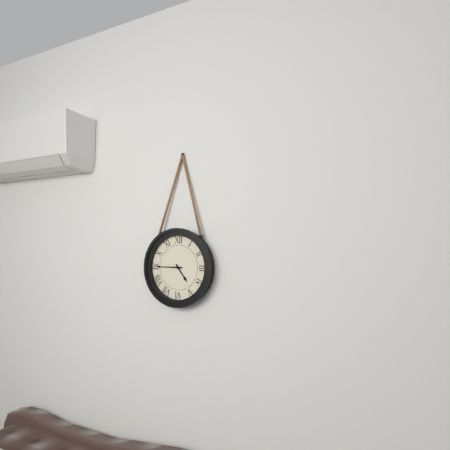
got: 4h45
